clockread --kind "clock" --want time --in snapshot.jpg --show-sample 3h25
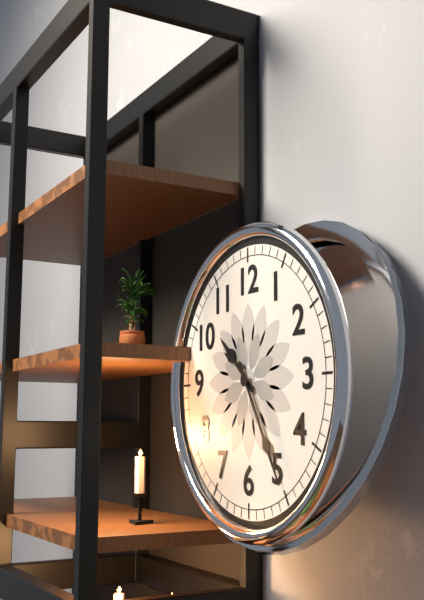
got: 10h25
